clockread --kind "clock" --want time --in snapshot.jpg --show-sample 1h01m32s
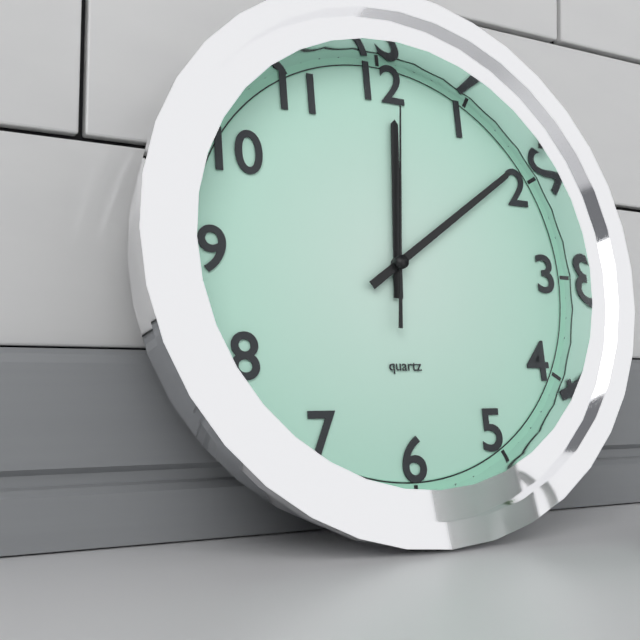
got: 12h09m01s
